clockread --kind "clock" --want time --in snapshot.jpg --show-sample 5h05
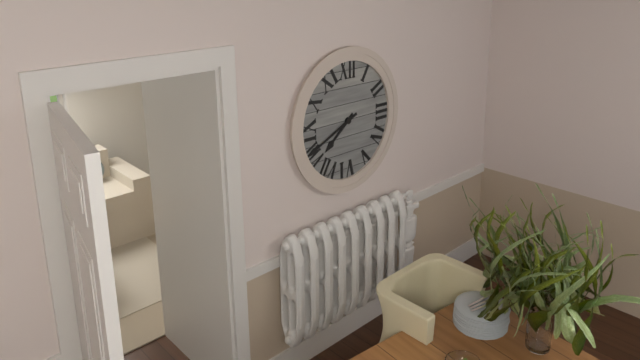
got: 7h41
